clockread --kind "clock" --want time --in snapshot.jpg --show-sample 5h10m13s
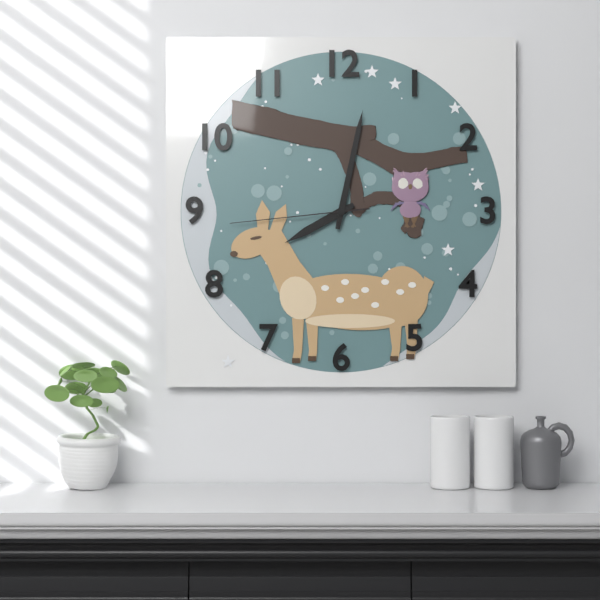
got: 8h02m44s
